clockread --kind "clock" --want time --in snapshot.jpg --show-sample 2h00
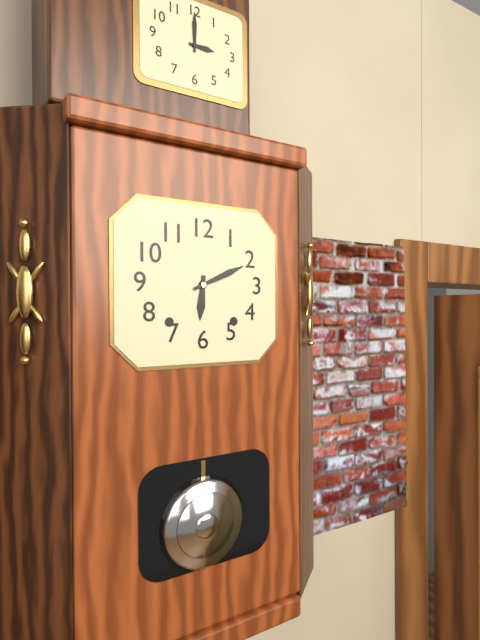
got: 6h11
